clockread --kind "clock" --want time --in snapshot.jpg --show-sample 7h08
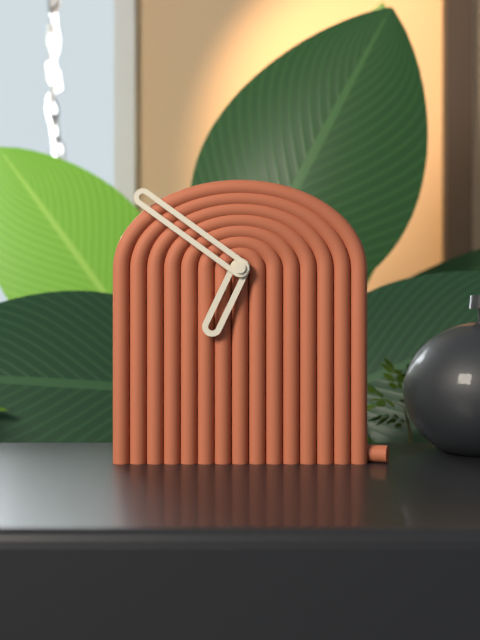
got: 6h51
